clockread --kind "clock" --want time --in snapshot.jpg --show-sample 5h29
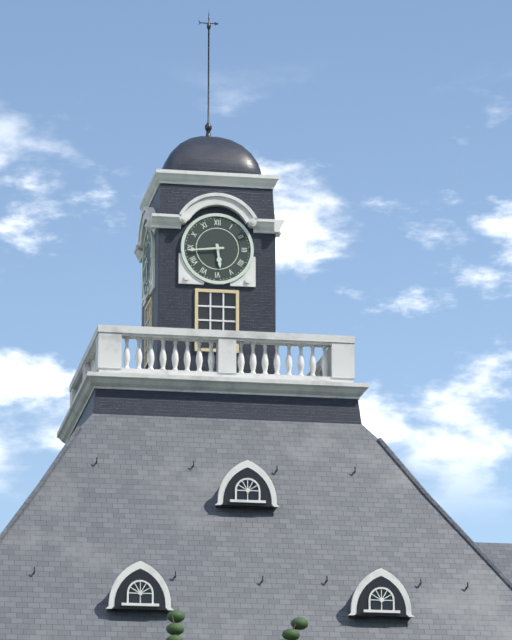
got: 5h44
